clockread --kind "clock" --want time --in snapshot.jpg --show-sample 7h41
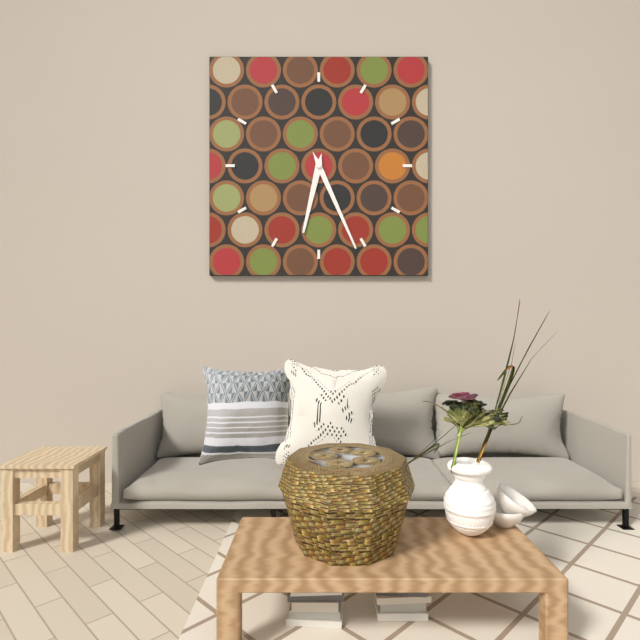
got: 6h26
